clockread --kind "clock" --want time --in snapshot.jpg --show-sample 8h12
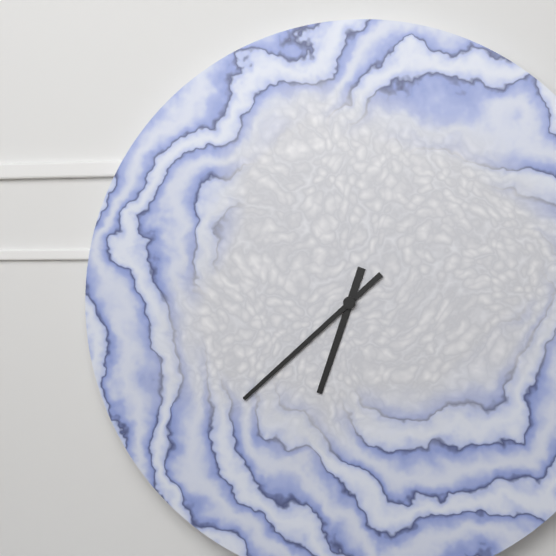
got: 6h38
